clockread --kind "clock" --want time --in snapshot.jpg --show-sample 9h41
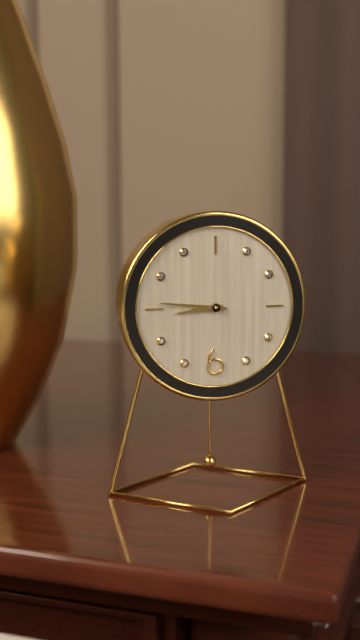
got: 8h46
